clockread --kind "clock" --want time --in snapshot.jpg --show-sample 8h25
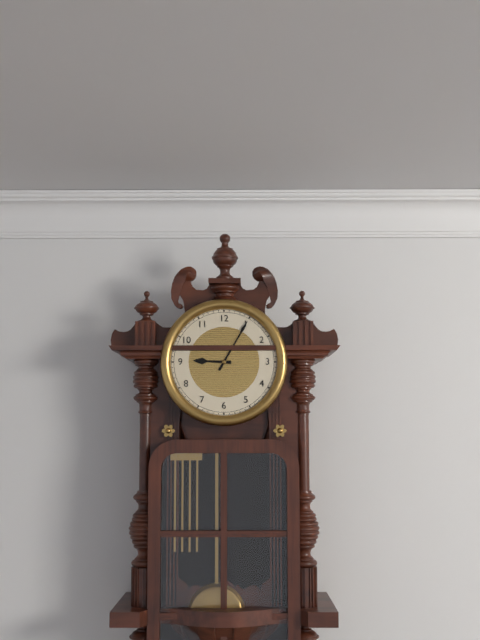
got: 9h05
